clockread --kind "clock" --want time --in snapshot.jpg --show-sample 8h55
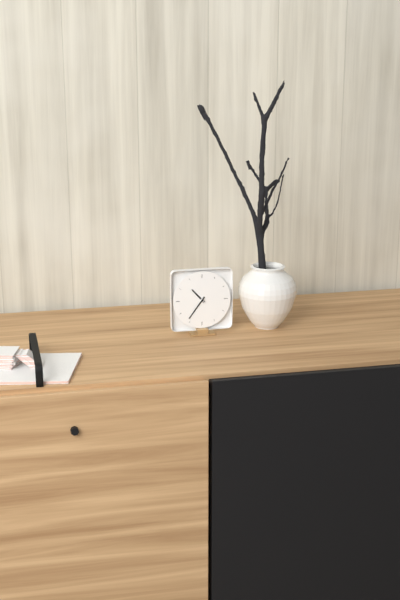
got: 10h36
